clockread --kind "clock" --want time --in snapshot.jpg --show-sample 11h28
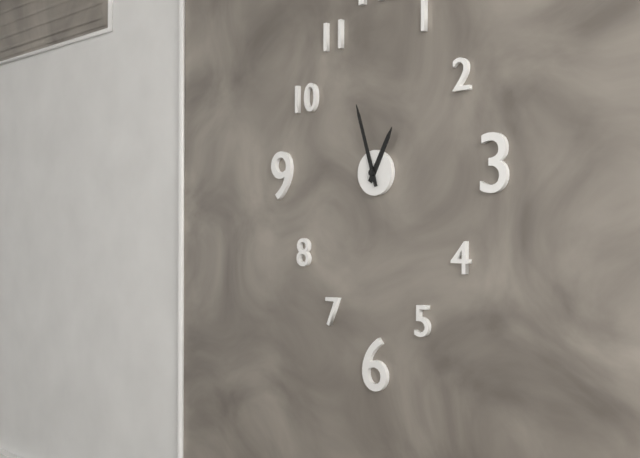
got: 12h57
